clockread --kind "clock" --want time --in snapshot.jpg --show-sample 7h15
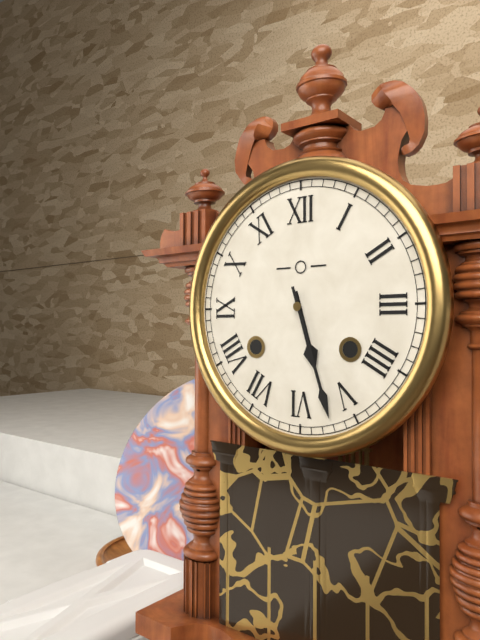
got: 5h27
